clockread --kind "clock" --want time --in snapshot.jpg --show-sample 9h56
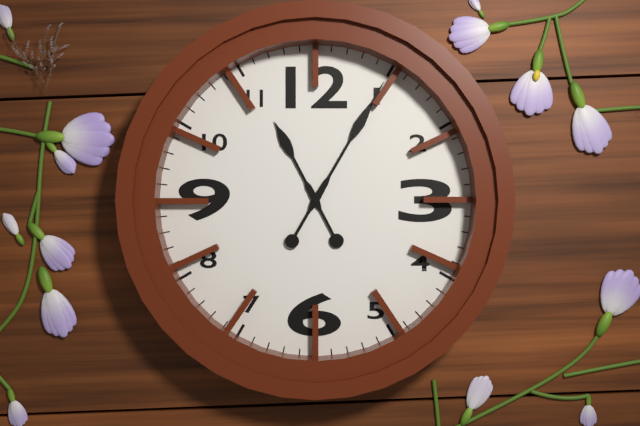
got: 11h05
